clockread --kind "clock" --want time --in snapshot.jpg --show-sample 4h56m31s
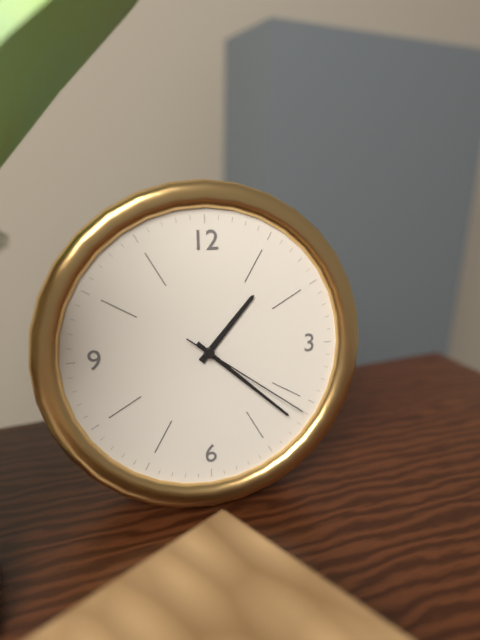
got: 1h22m21s
